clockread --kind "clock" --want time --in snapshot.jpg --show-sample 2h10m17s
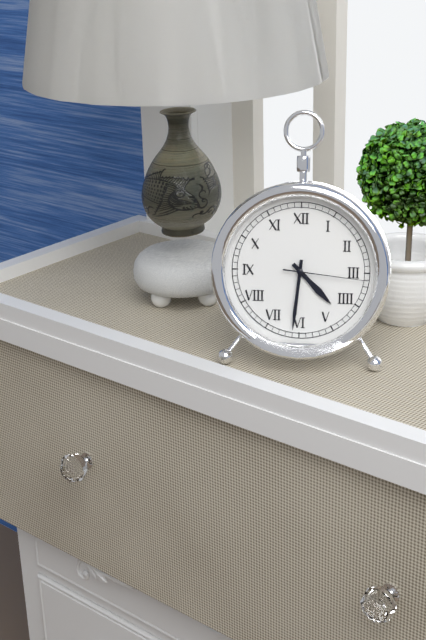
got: 4h31m16s
